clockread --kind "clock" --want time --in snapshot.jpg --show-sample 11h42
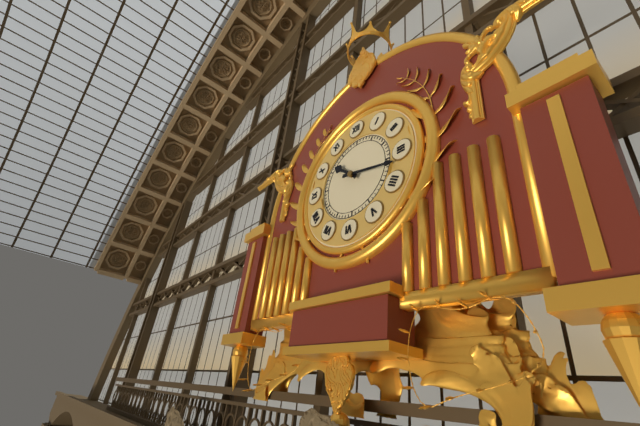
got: 10h17
